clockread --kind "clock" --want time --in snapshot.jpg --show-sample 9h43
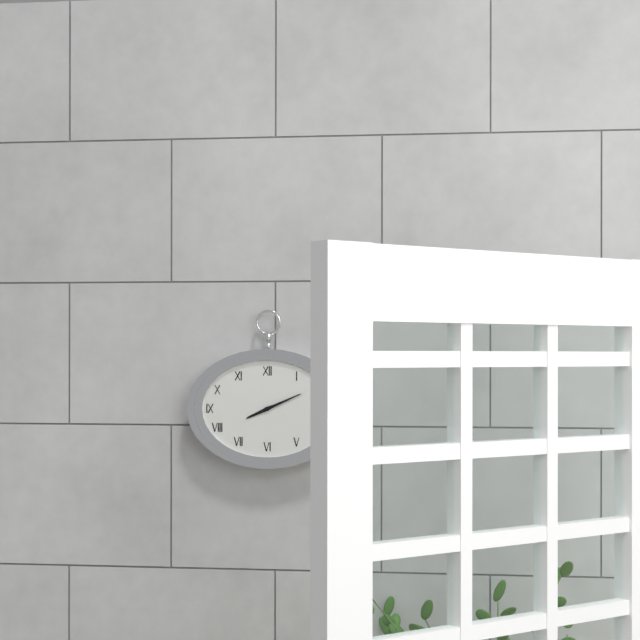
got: 8h11
